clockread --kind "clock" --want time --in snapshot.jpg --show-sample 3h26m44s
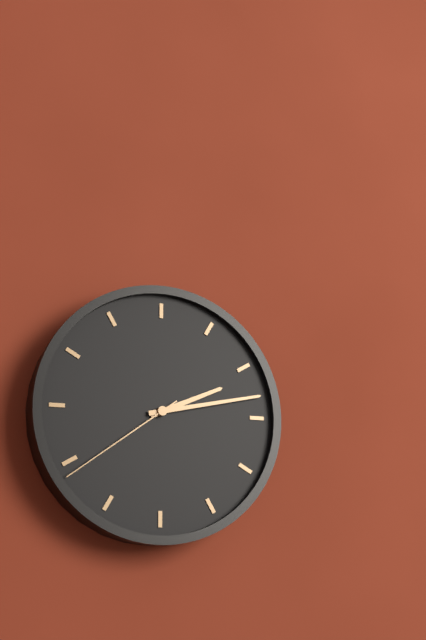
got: 2h13m39s
